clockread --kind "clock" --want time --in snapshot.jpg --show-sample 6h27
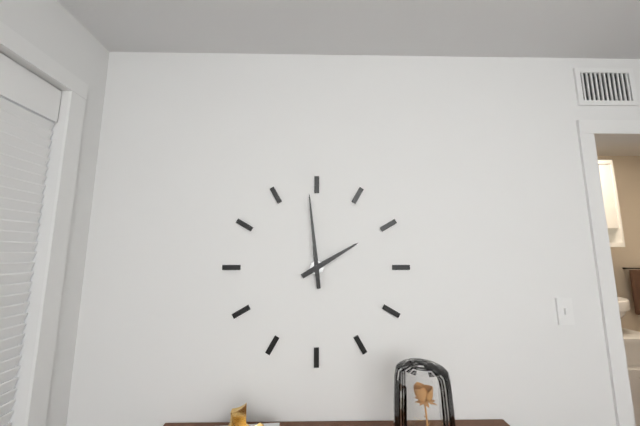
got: 1h59
